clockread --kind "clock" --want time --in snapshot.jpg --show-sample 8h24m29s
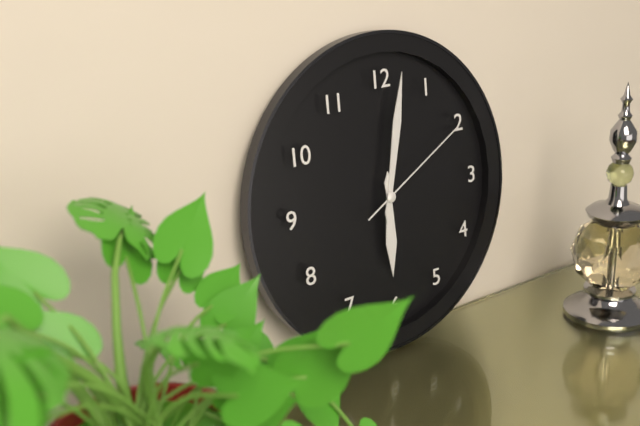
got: 6h02m10s
